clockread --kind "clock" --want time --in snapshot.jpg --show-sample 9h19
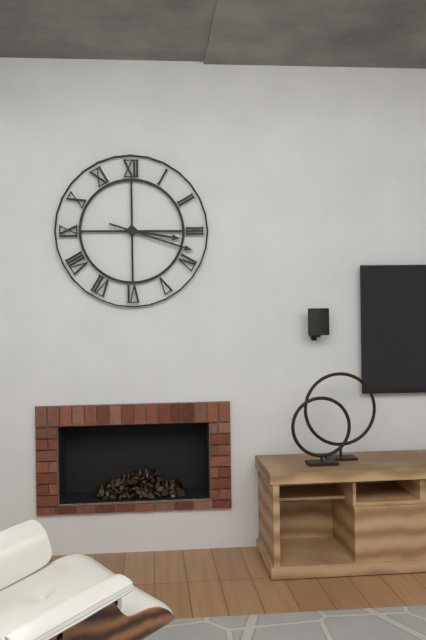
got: 3h18
